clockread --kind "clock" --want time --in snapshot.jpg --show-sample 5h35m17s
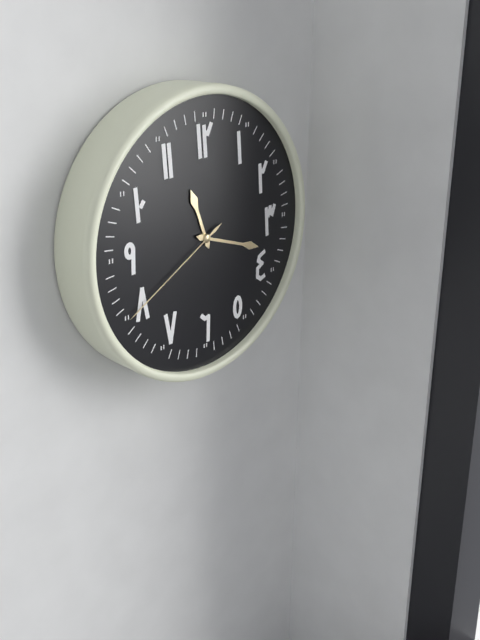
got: 11h18m40s
